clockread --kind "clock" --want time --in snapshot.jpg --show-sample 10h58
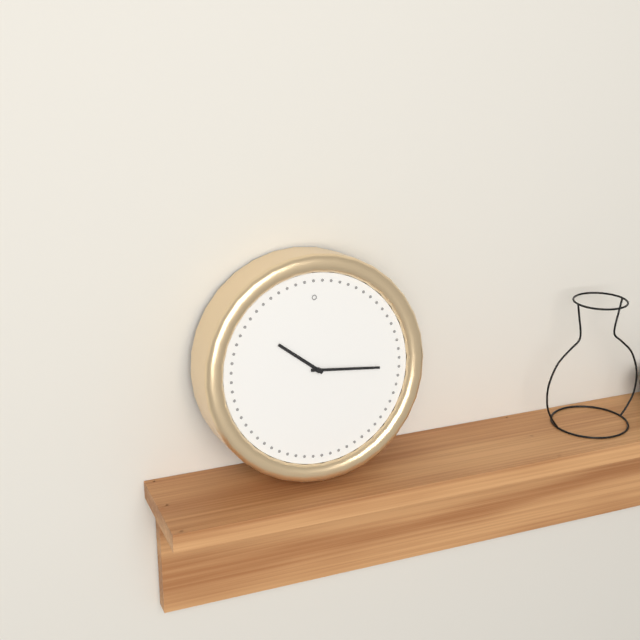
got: 10h16
